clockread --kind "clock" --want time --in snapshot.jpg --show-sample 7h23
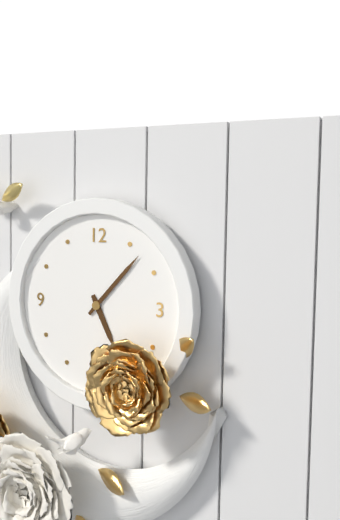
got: 5h07
